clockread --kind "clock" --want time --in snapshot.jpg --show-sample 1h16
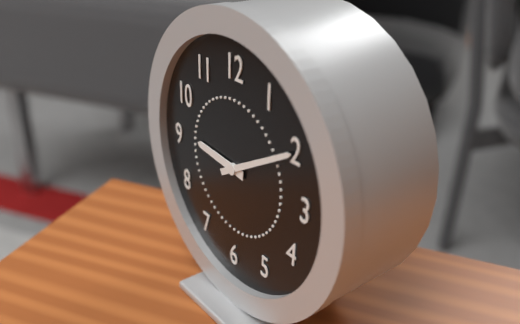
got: 9h10
